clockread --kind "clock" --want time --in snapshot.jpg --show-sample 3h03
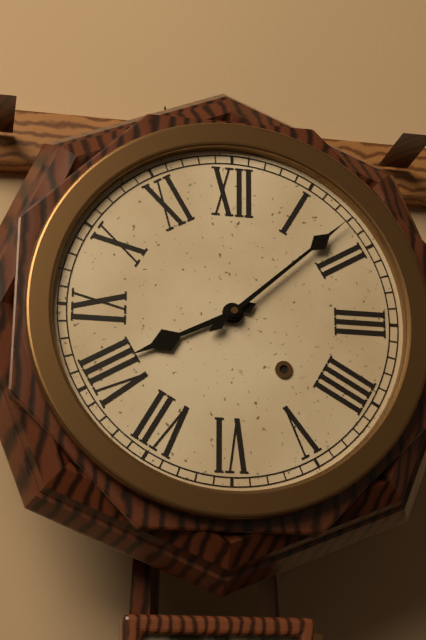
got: 8h08
